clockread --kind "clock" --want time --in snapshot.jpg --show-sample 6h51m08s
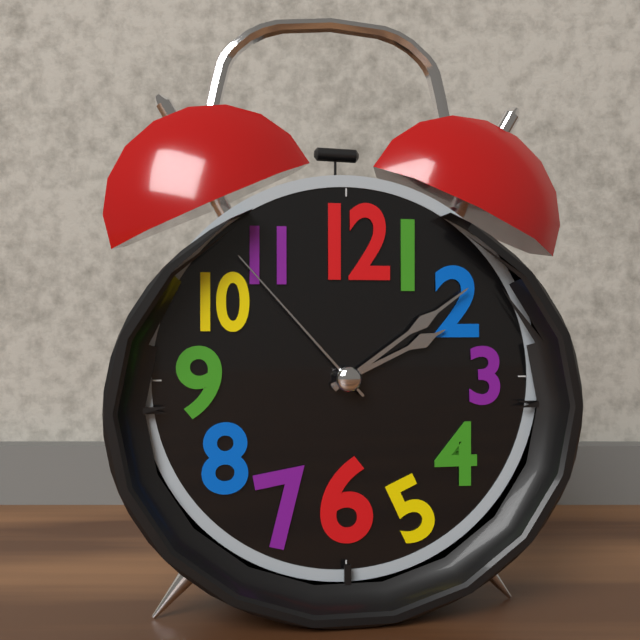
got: 2h09m53s
